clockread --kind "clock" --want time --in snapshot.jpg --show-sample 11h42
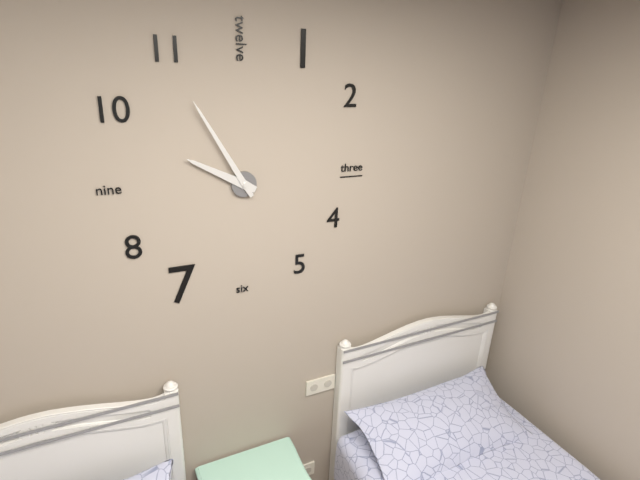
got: 9h55
